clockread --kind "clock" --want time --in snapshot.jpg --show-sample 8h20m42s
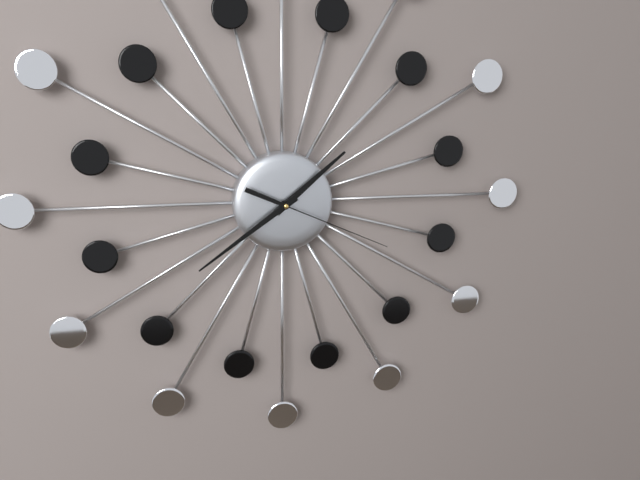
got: 1h39m19s
